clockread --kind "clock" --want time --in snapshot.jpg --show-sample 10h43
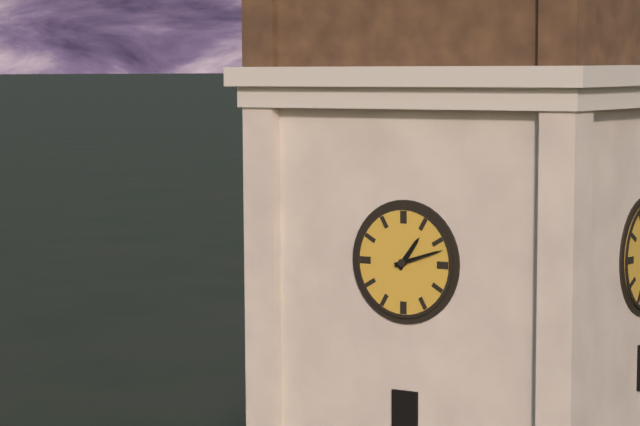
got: 1h12
